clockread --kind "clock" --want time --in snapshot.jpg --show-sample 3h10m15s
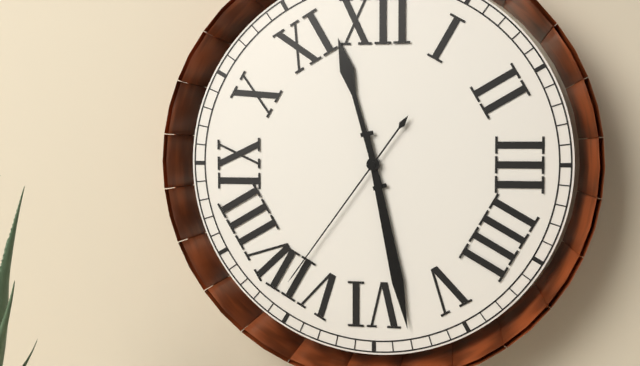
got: 11h28m36s
